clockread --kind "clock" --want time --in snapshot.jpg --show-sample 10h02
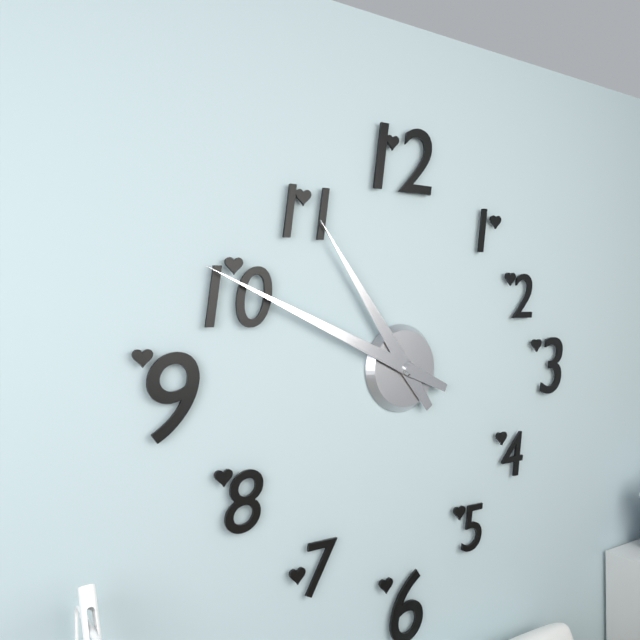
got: 10h49
